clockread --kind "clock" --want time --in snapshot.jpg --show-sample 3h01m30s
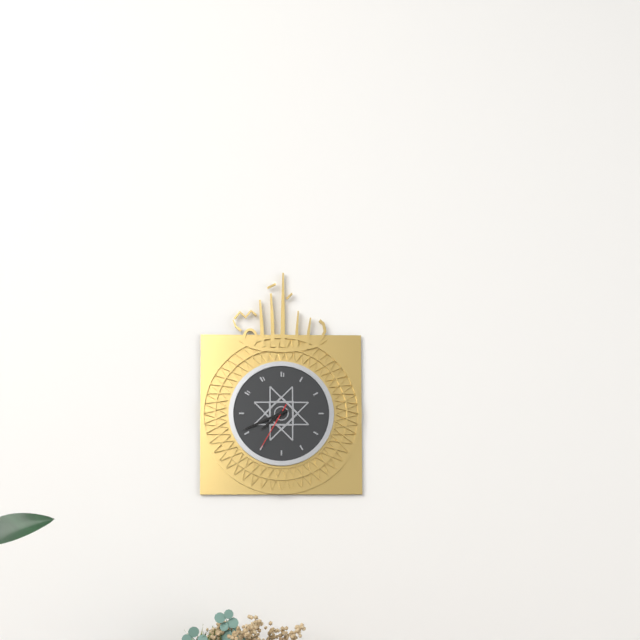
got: 7h41m35s
